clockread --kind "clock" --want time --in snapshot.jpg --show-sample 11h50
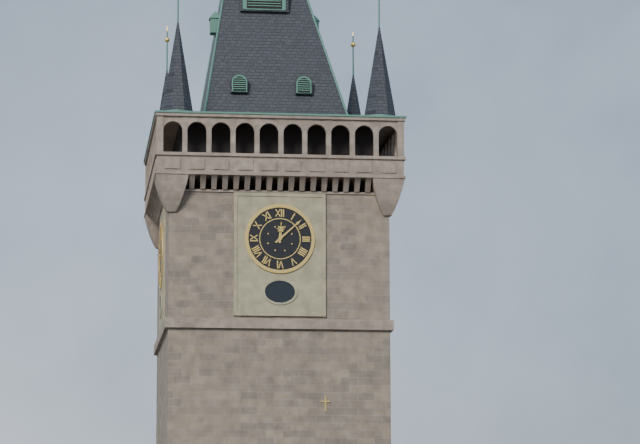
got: 12h08
